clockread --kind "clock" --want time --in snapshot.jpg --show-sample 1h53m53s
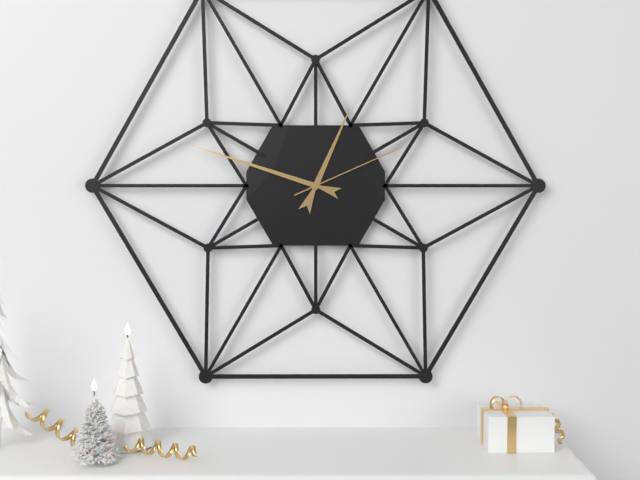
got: 12h48m11s
